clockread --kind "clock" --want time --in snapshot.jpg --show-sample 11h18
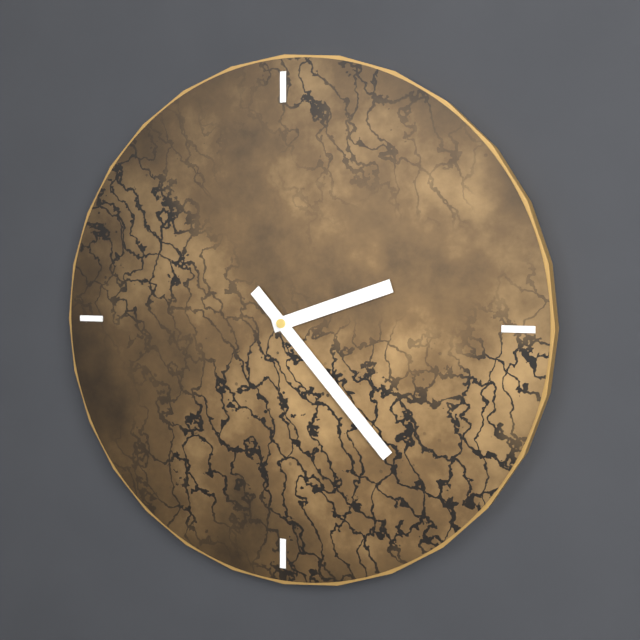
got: 2h23
